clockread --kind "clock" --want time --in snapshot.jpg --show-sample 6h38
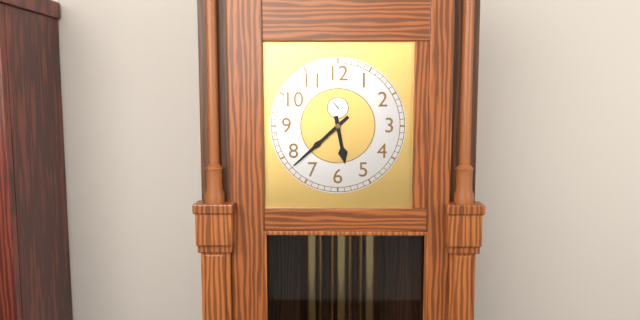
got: 5h38
